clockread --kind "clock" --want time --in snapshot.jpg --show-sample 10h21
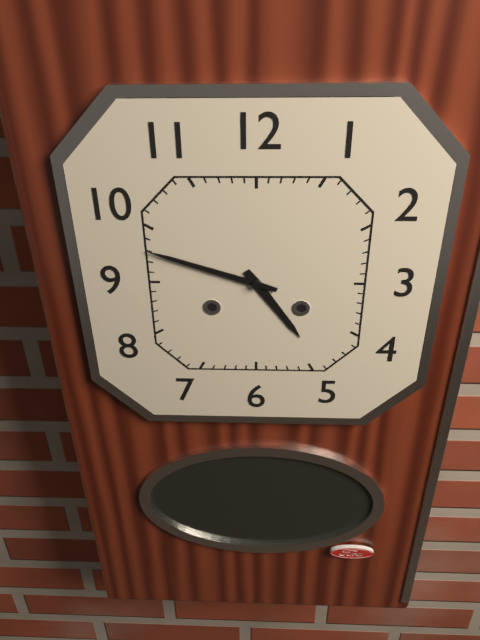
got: 4h48
